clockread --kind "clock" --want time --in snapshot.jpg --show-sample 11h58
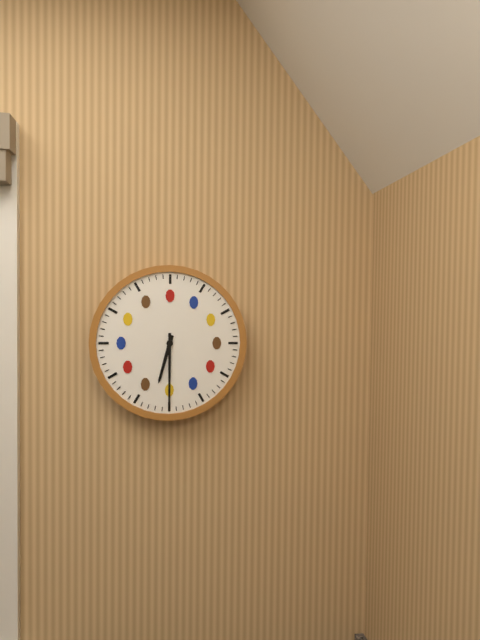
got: 6h30
